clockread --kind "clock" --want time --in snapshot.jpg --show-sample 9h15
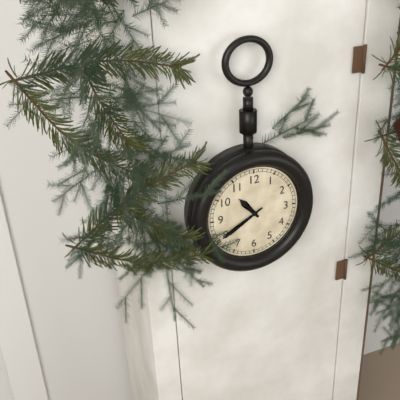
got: 10h40
